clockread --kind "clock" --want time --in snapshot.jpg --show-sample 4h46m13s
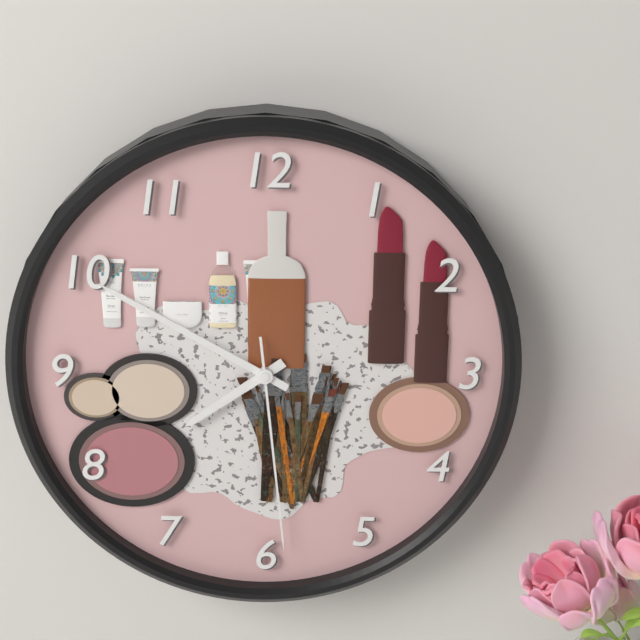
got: 7h50m29s
